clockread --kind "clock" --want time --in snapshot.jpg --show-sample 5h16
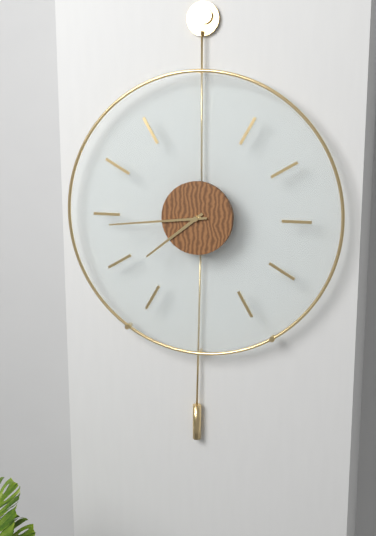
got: 7h44
